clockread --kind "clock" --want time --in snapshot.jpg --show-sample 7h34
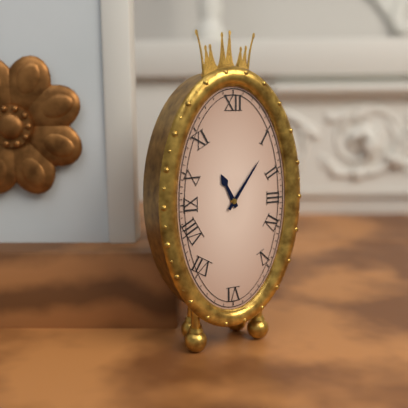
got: 11h06
